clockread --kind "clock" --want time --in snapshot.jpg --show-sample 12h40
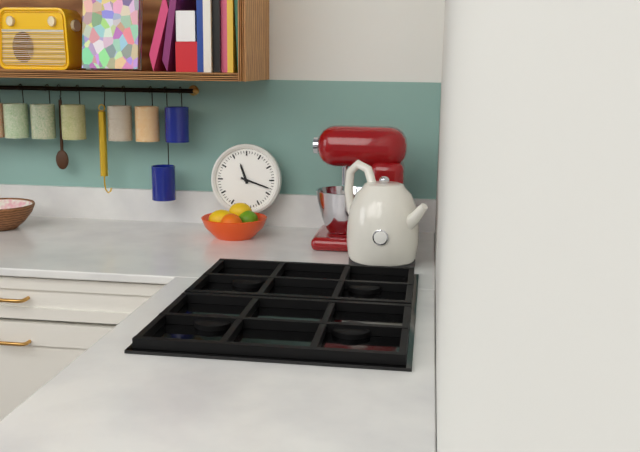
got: 11h18
